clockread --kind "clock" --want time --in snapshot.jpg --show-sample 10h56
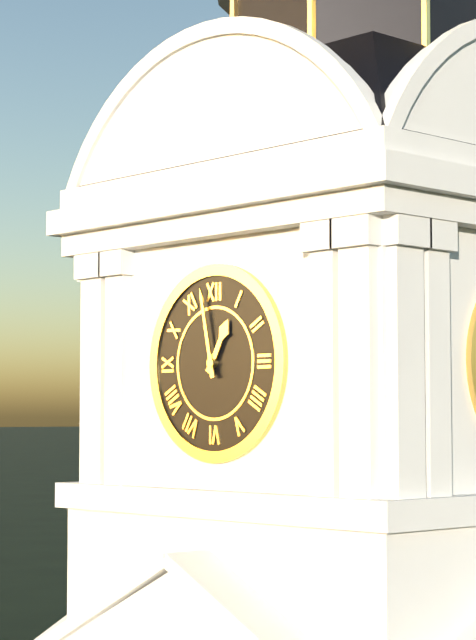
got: 12h58
